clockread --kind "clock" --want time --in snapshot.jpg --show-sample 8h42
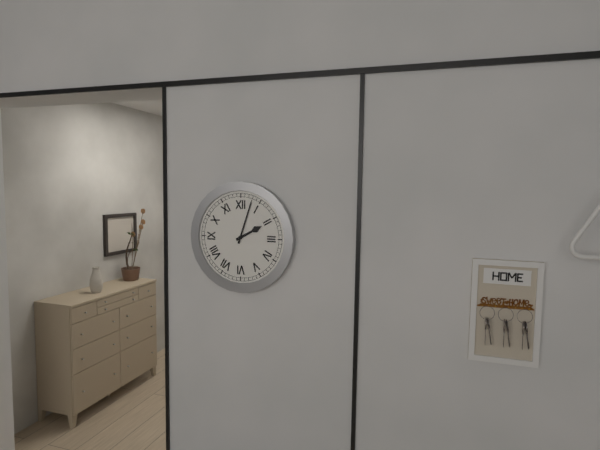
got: 2h03
